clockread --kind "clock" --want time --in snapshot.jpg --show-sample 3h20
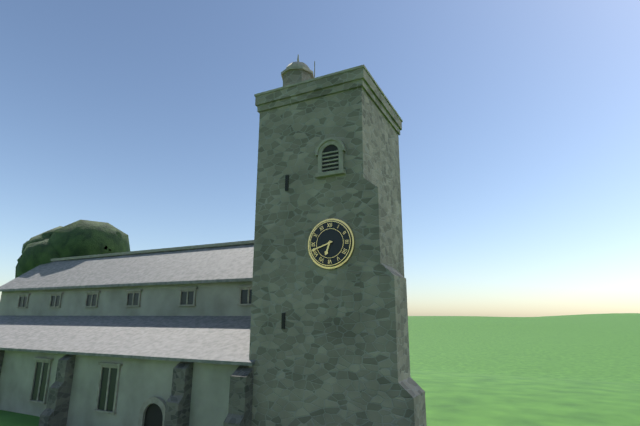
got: 6h42
